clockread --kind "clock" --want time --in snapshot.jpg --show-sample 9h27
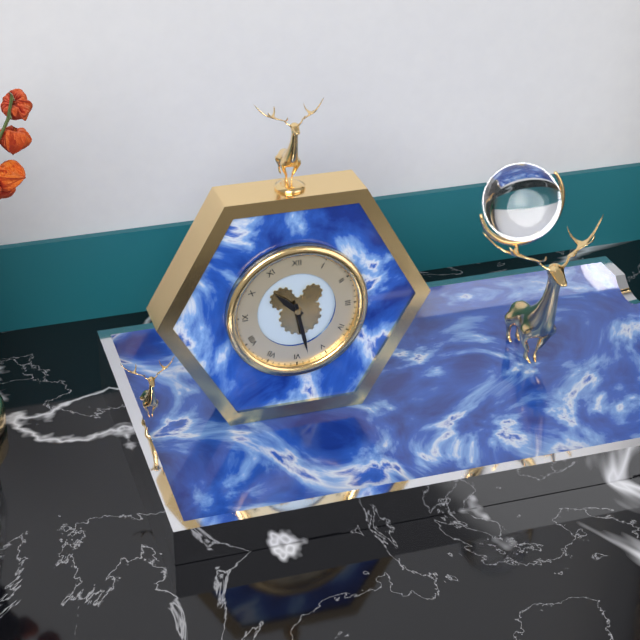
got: 10h28
